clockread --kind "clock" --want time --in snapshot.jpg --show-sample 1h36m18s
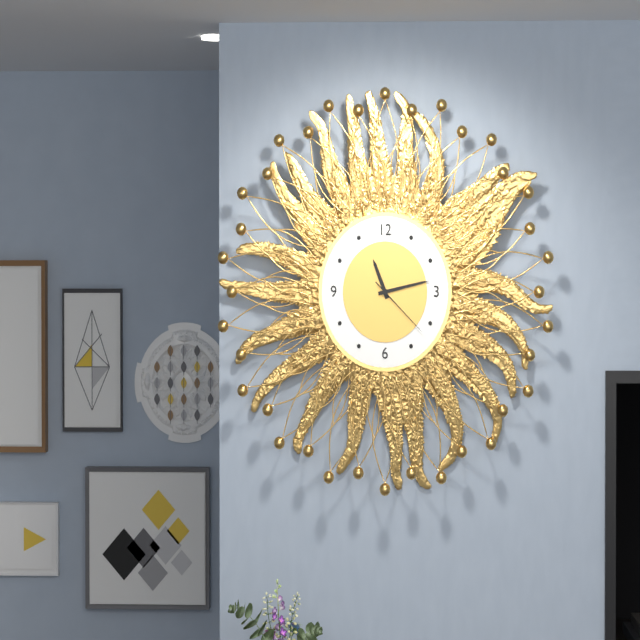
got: 11h13m22s
